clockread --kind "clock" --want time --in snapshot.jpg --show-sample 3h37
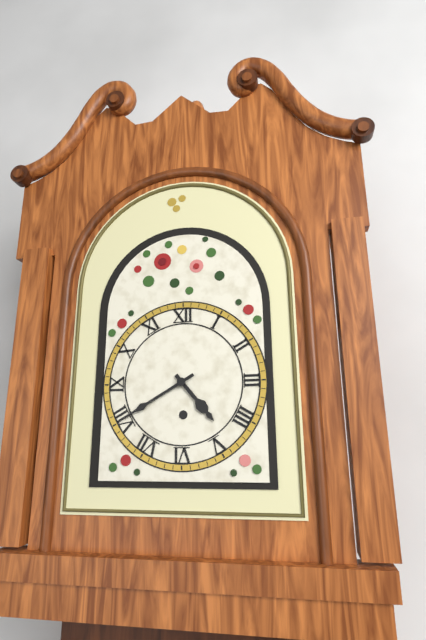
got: 4h40
